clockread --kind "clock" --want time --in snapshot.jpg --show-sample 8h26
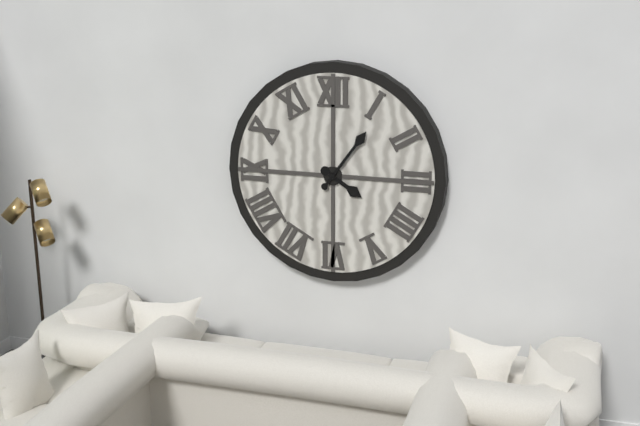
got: 4h06
